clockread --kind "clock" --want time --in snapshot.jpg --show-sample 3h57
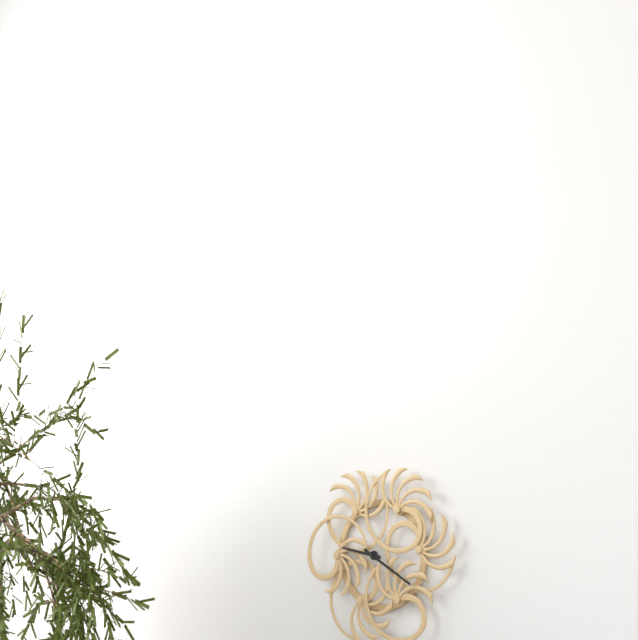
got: 9h20
